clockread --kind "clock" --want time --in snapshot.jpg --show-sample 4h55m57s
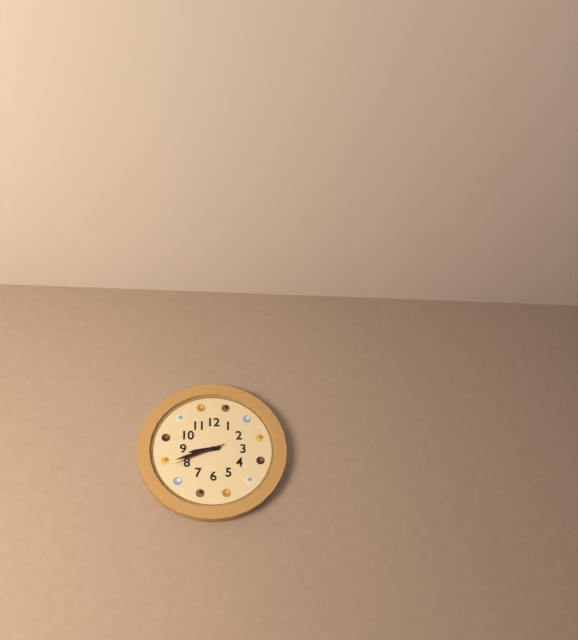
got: 8h42m41s
